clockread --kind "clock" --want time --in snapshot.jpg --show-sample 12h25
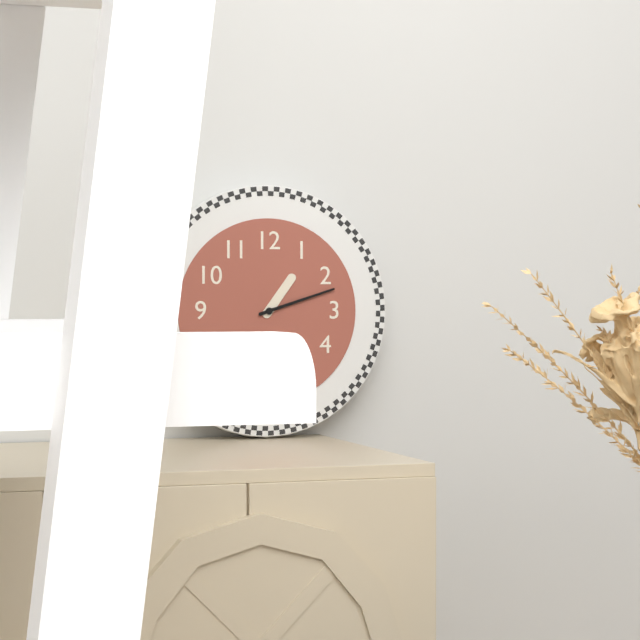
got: 1h12
